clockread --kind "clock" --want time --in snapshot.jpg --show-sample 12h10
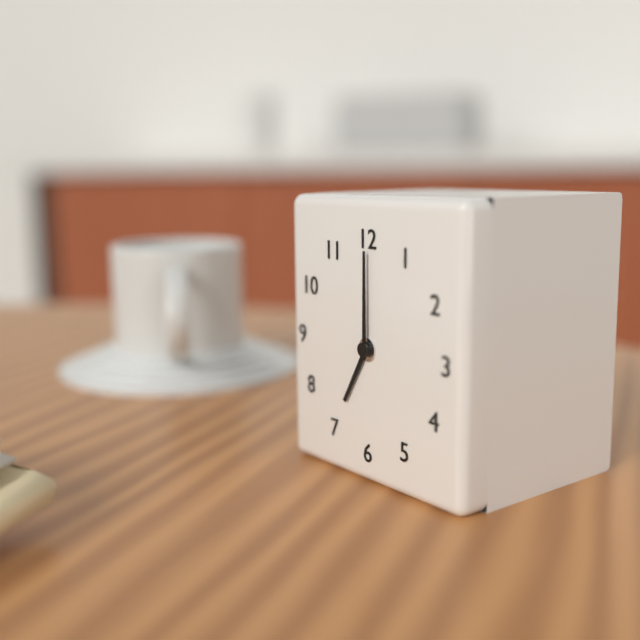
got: 7h00
